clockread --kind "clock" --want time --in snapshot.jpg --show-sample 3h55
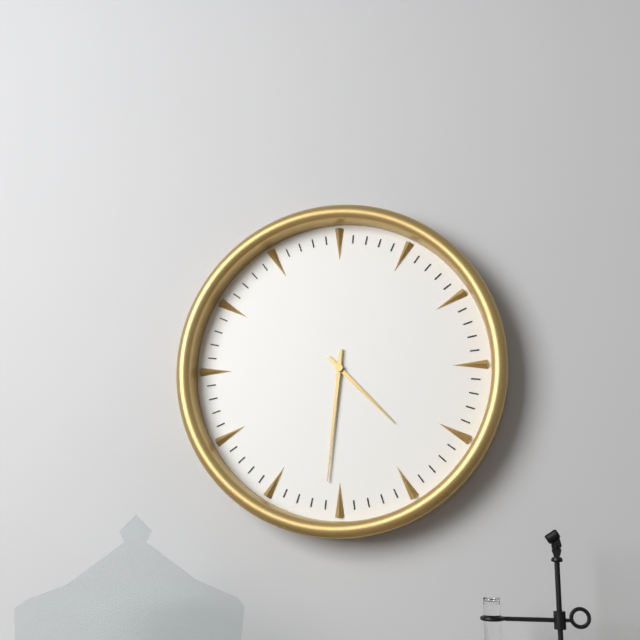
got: 4h31
